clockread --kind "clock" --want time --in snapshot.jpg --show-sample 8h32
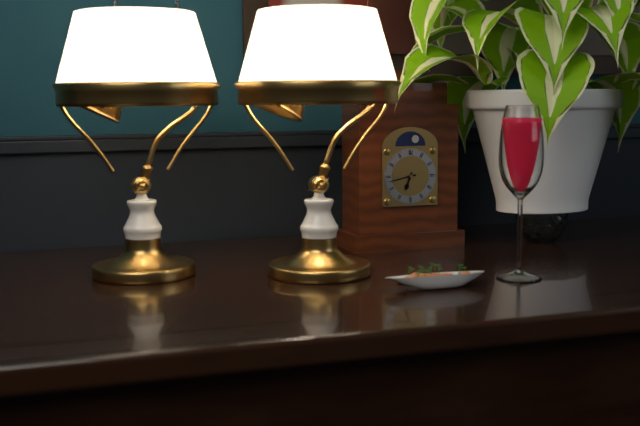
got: 6h43
